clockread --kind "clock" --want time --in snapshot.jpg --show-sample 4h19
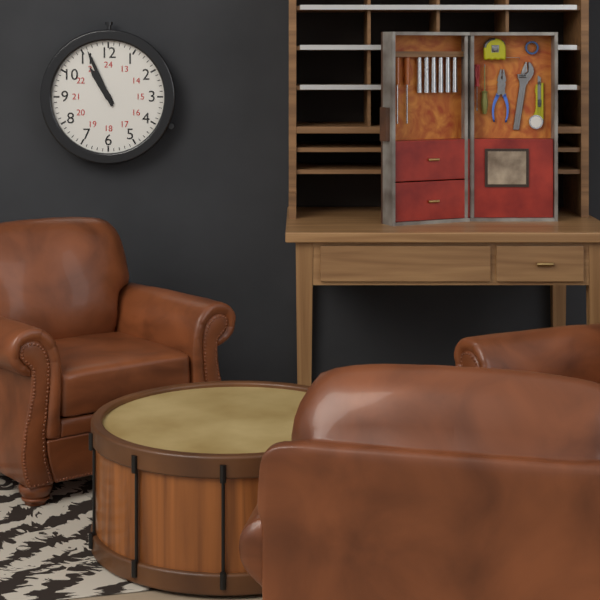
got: 10h56
